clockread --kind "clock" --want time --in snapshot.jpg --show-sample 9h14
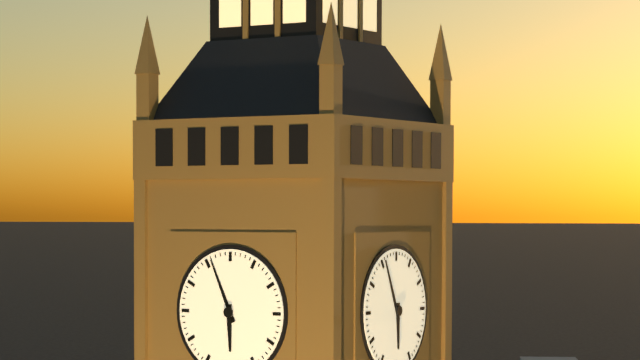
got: 5h56
